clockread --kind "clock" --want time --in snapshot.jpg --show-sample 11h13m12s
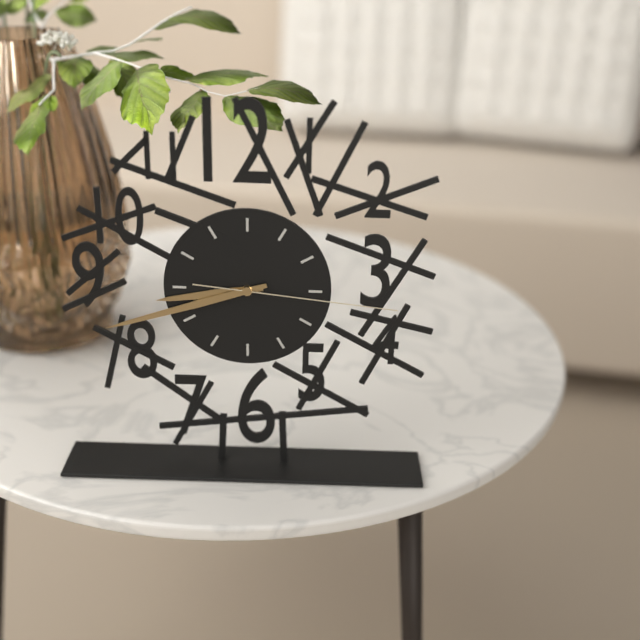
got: 8h42m16s
